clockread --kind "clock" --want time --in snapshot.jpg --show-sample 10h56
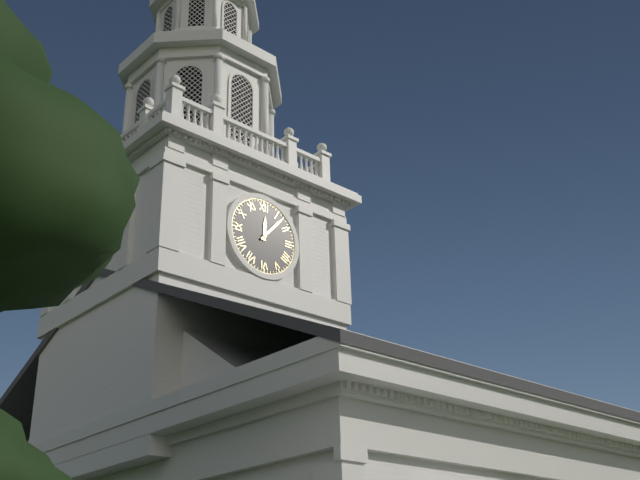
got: 12h07
